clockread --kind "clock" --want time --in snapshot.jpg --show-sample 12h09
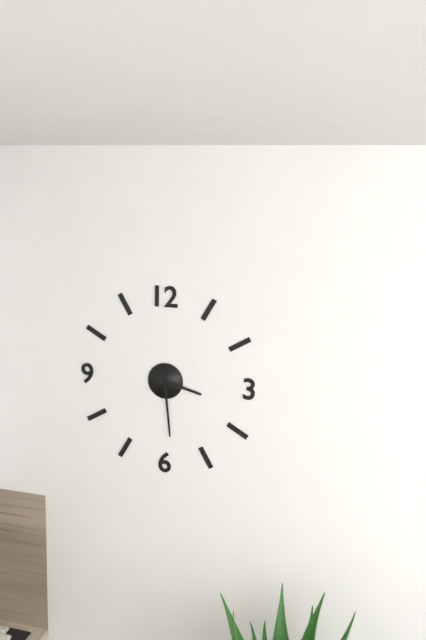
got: 3h29
